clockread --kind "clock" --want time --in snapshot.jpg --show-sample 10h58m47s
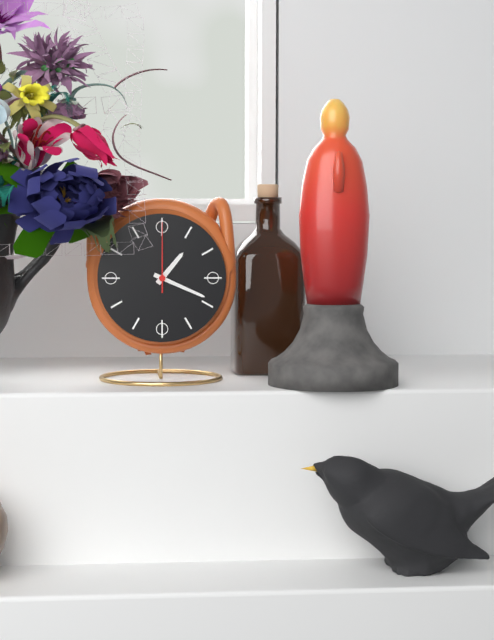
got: 1h19m00s
